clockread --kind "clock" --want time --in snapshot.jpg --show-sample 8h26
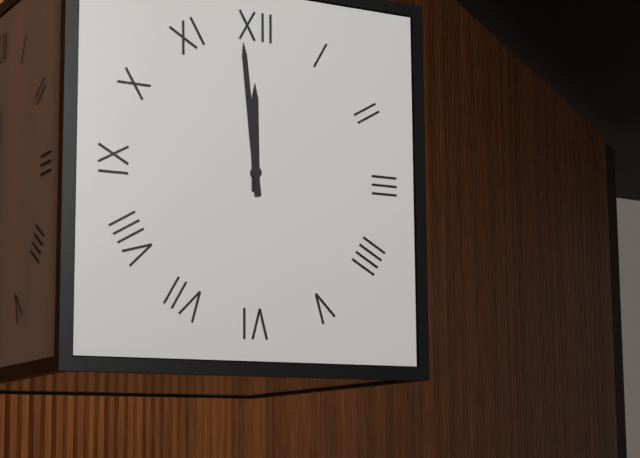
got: 11h59
